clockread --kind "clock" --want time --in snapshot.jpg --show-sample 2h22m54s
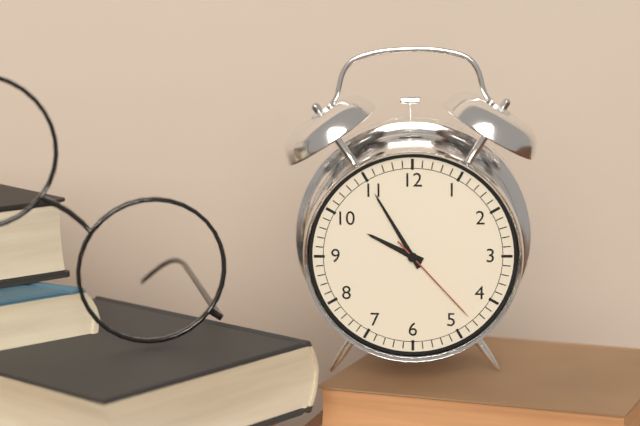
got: 9h55m23s
